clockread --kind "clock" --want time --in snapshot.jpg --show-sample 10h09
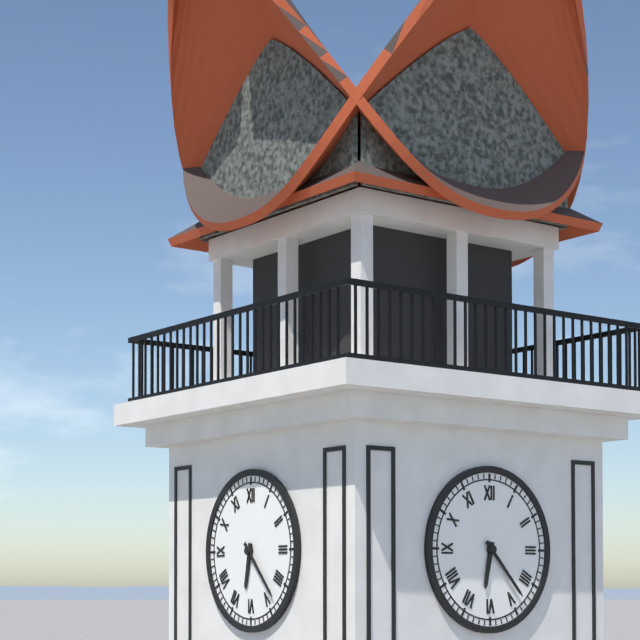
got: 6h23
